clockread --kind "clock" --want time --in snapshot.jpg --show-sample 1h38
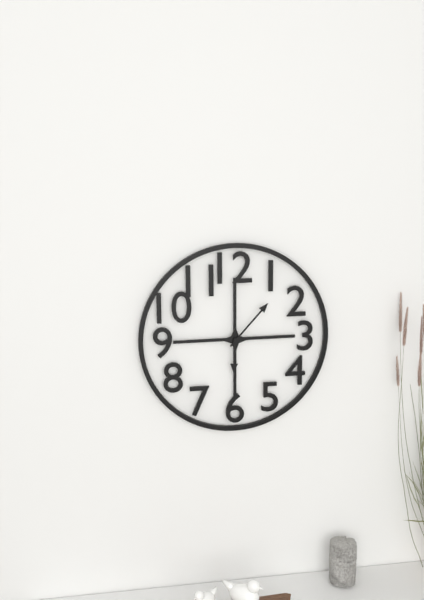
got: 6h07
